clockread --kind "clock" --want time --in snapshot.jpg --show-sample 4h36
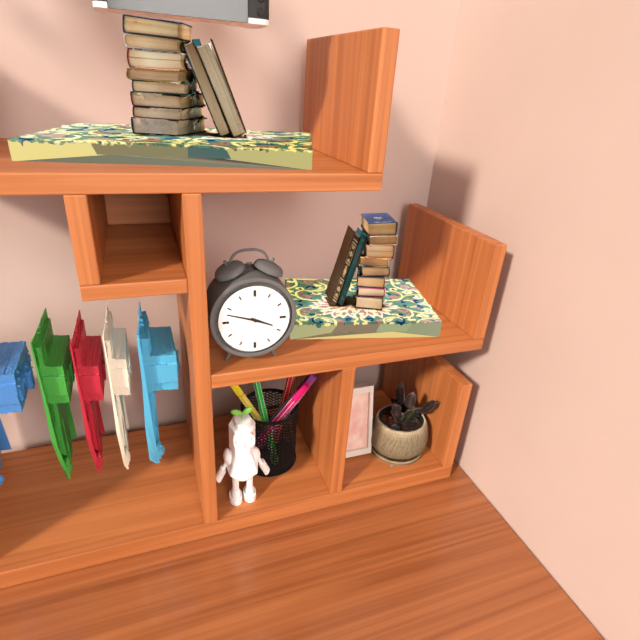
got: 3h48
